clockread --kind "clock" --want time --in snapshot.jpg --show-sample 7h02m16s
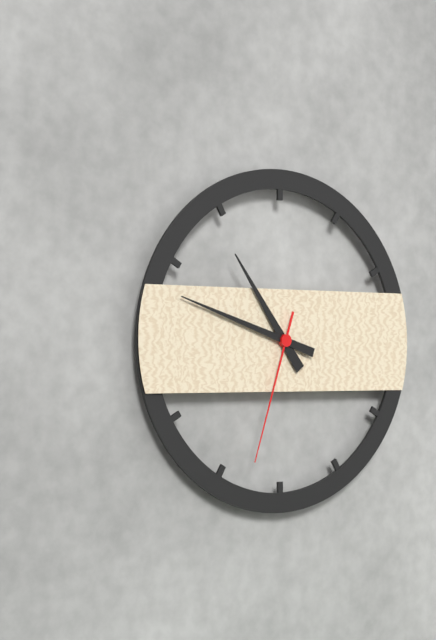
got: 10h48m33s
